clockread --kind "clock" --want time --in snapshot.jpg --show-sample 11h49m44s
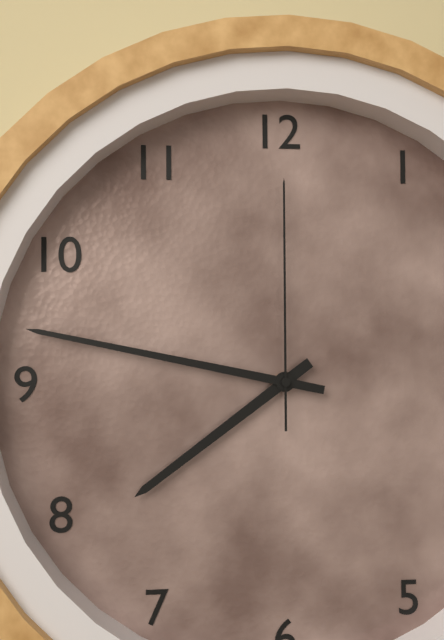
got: 7h47m00s
